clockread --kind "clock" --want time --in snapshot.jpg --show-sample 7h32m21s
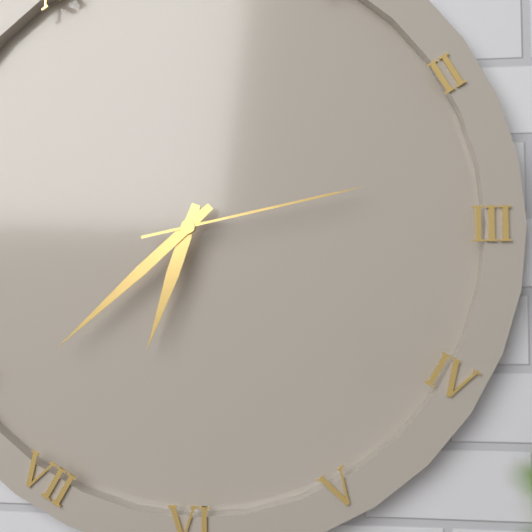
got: 6h38m13s
